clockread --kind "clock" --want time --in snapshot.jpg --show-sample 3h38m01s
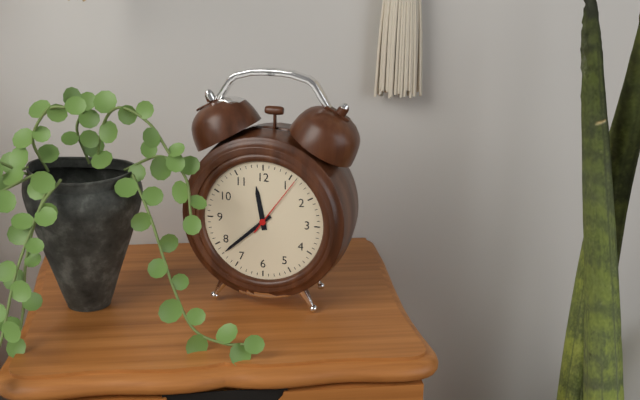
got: 11h38m06s
